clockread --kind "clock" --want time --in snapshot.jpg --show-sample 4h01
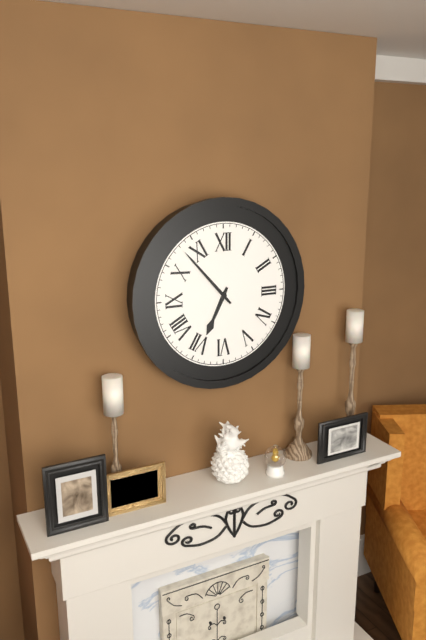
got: 6h53
